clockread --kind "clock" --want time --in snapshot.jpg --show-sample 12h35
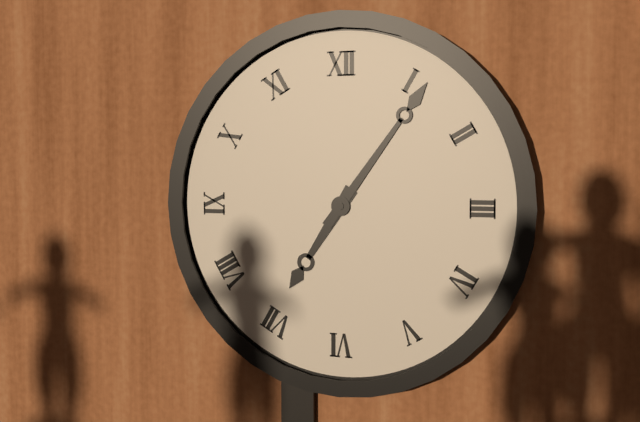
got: 7h06
